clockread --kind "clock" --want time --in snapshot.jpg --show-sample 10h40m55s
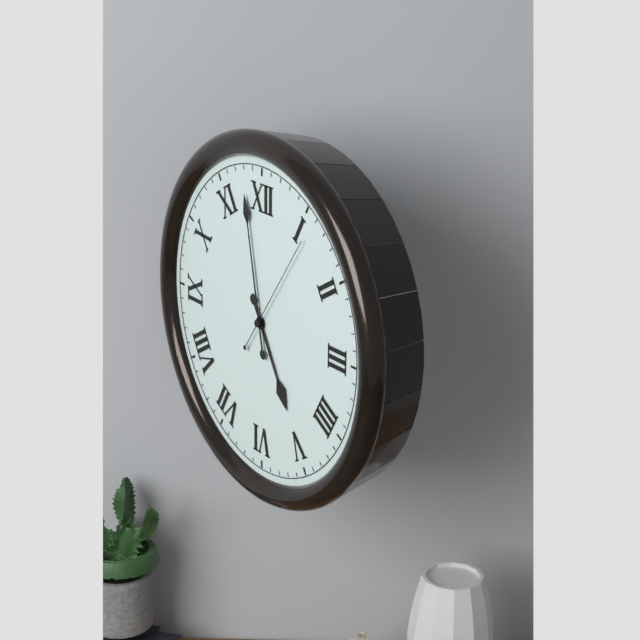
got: 4h58m06s
